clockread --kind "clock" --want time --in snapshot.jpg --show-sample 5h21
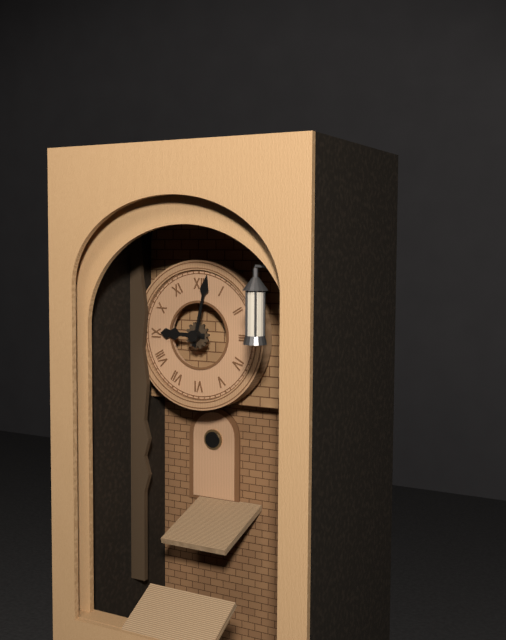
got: 9h02
